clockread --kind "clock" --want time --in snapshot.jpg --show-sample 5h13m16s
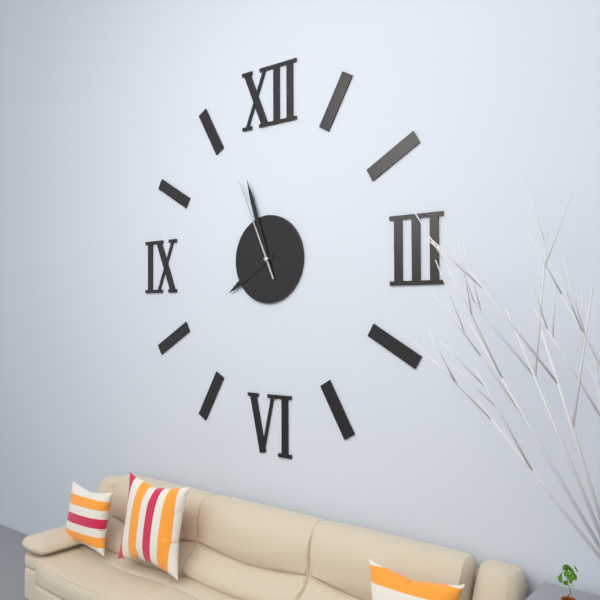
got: 7h57m56s
